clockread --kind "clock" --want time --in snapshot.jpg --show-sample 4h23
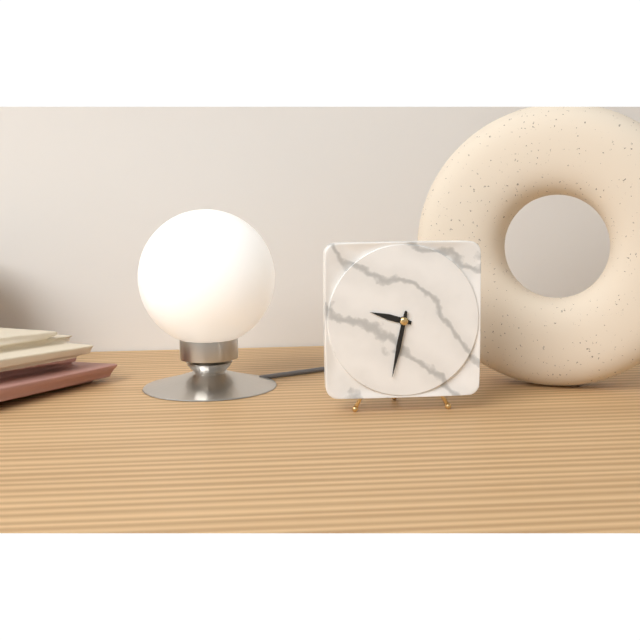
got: 9h32
